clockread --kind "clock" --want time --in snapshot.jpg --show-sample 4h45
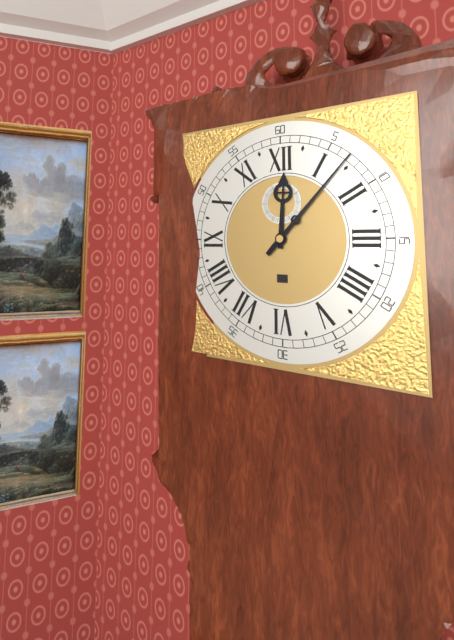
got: 12h07
